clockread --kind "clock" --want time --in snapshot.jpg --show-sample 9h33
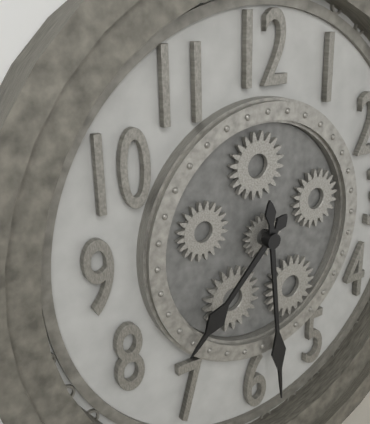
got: 7h29
